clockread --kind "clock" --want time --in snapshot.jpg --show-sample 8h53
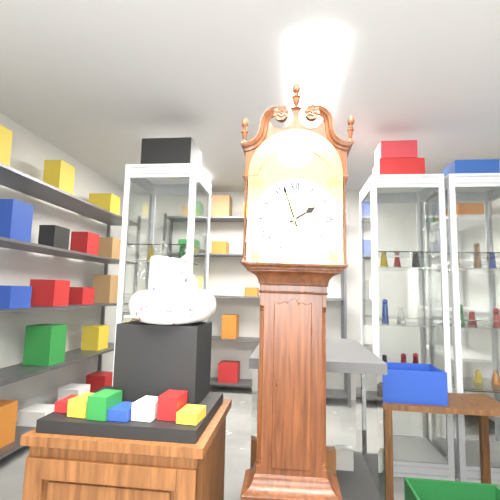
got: 1h57
